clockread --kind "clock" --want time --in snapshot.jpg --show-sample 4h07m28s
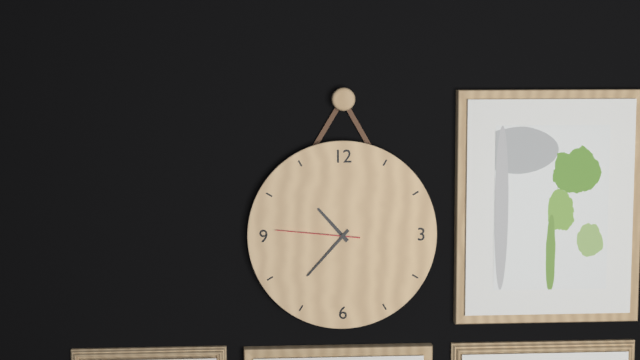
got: 10h37m46s
